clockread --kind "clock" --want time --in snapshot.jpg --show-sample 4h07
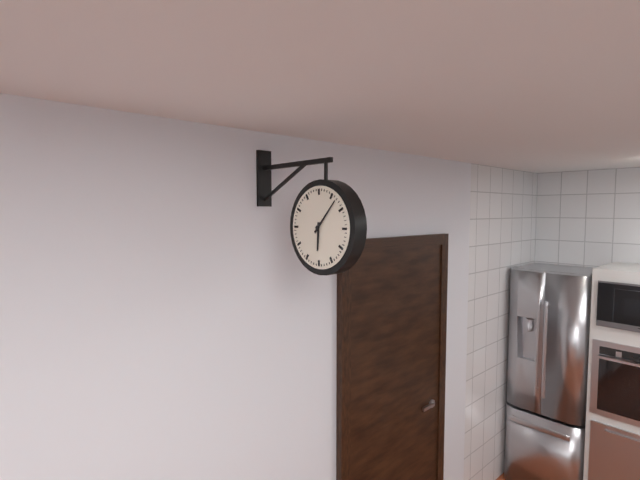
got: 6h07
